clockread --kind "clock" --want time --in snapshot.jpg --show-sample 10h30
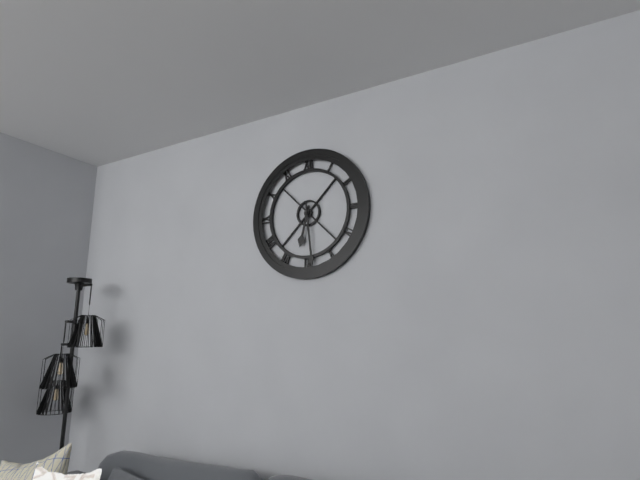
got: 6h29
